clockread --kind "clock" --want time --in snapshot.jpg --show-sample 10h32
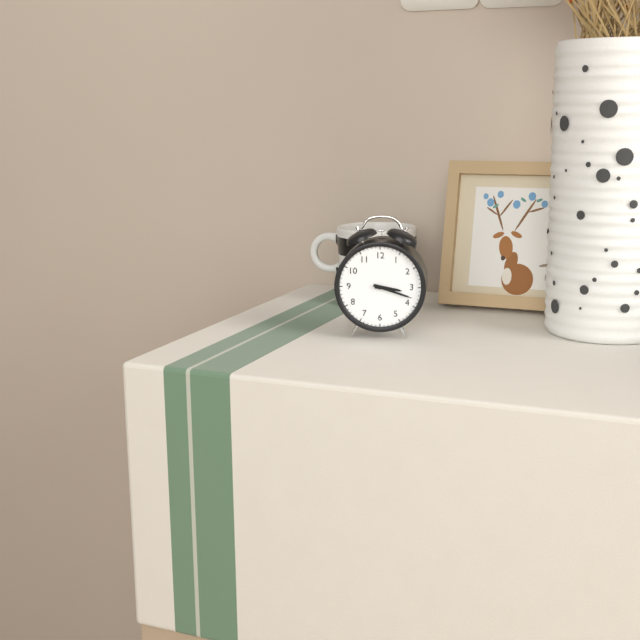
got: 3h18
